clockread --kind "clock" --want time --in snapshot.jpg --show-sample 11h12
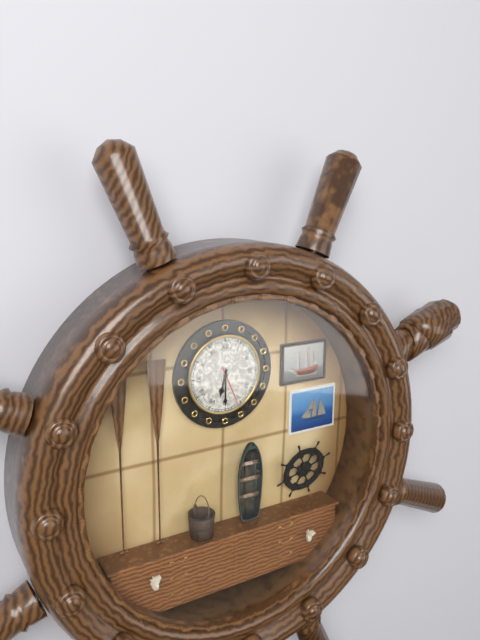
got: 6h30
